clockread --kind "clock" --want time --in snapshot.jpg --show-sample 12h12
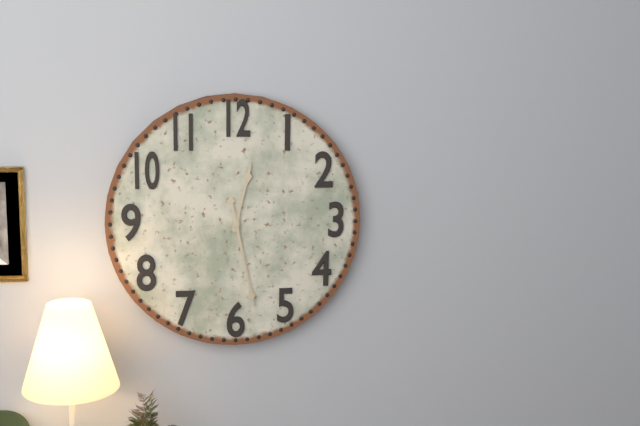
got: 12h28
